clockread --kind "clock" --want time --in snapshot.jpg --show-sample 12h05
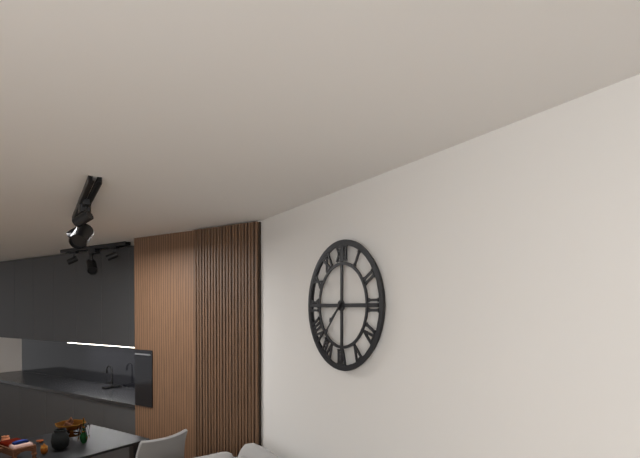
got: 7h37
